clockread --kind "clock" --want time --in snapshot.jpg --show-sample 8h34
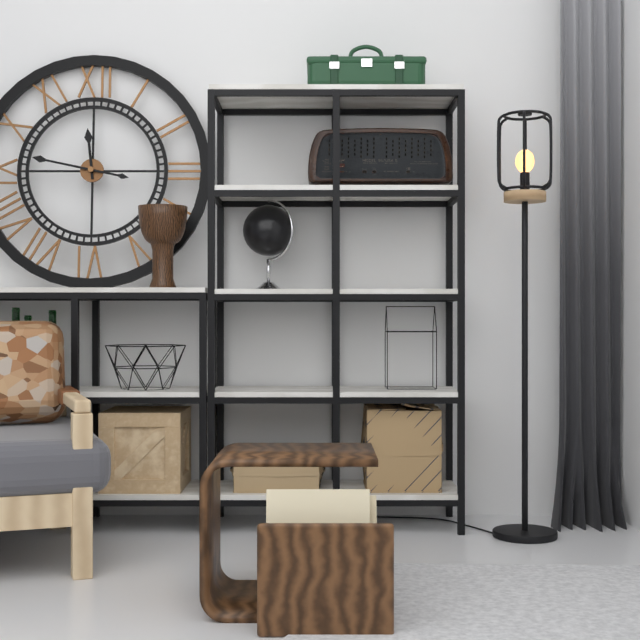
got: 11h47
